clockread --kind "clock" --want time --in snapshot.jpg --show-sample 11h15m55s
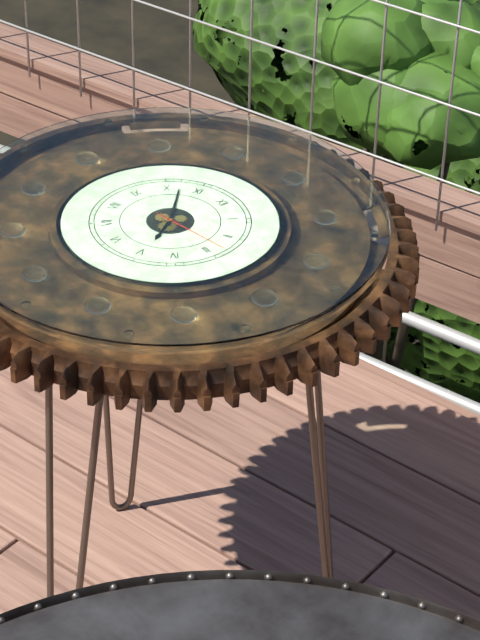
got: 4h52m13s
